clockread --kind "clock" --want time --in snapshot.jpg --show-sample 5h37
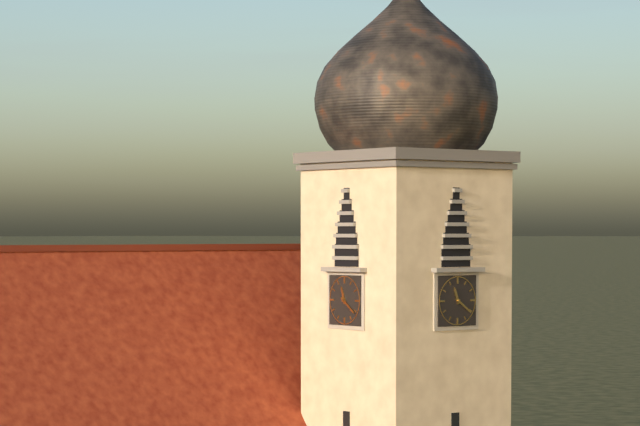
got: 11h21
